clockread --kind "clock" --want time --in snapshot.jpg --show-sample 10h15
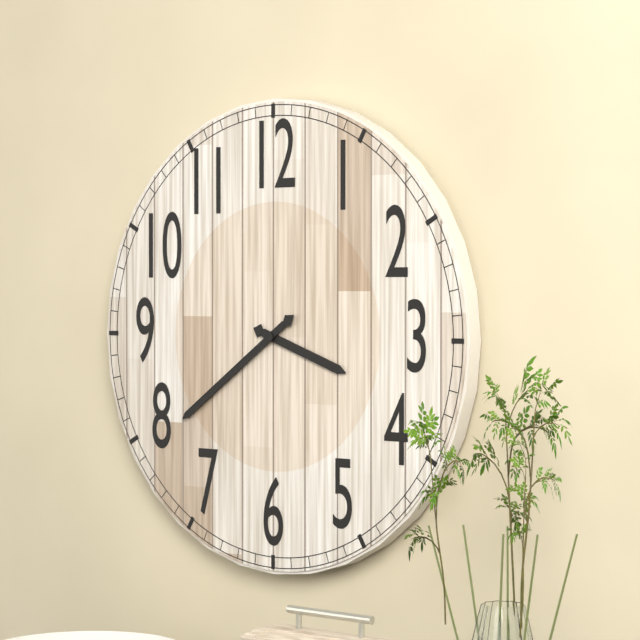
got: 3h39
